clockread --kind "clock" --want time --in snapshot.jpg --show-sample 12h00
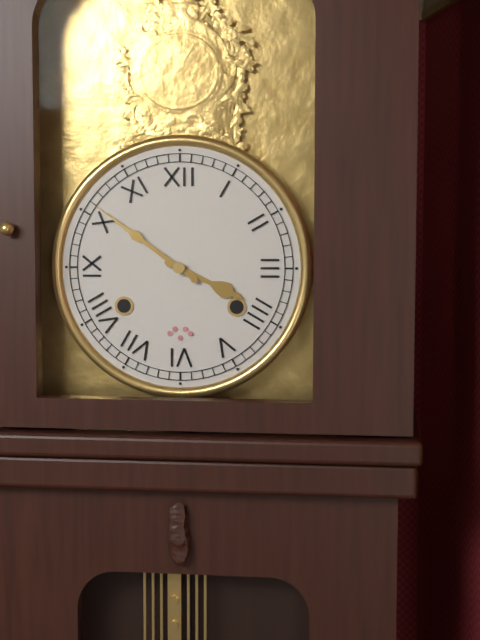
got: 3h51
